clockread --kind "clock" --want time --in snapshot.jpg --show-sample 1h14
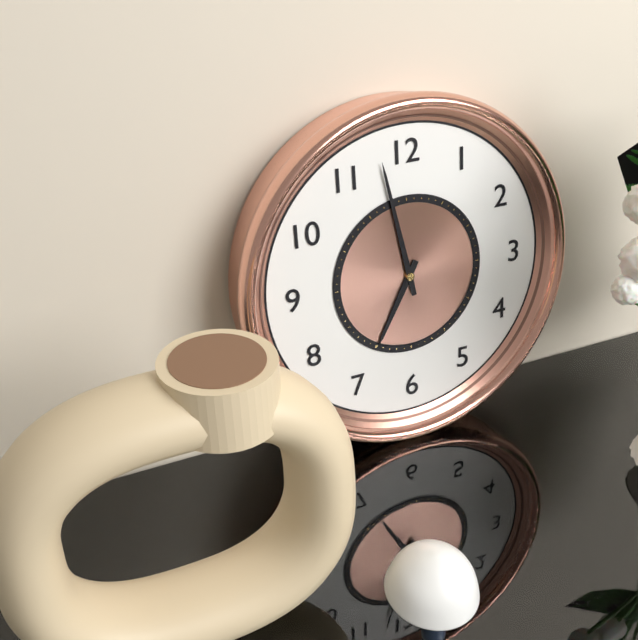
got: 6h58
